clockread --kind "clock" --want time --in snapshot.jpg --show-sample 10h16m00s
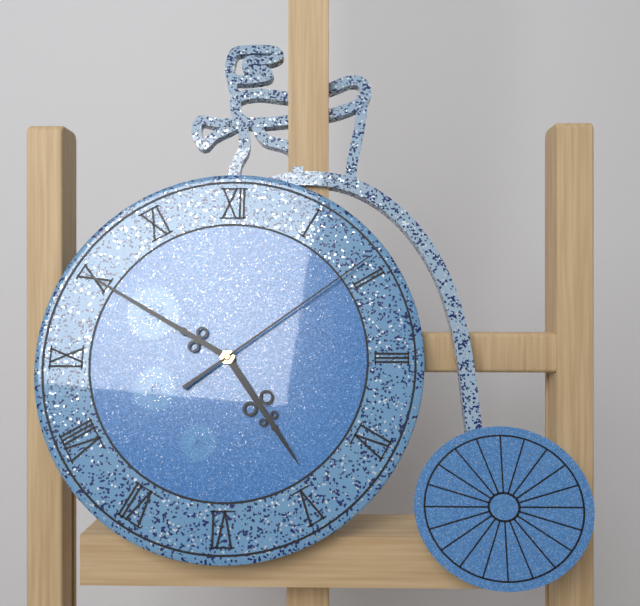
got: 4h50m09s
